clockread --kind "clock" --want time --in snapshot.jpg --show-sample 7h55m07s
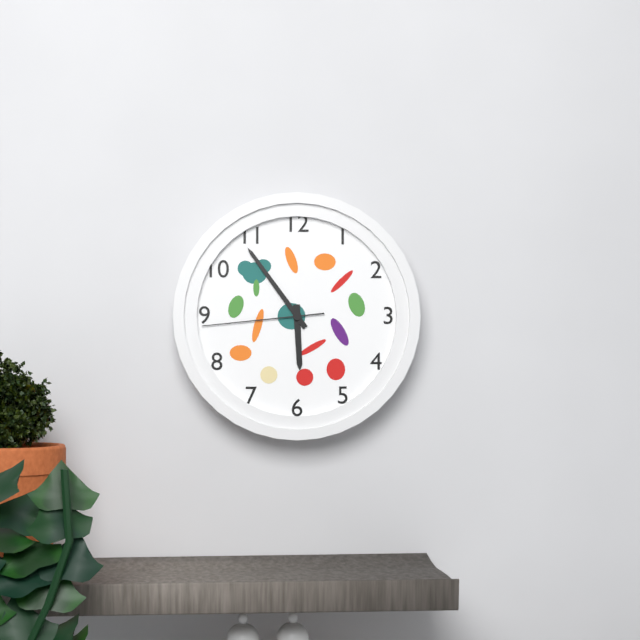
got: 5h54m44s
